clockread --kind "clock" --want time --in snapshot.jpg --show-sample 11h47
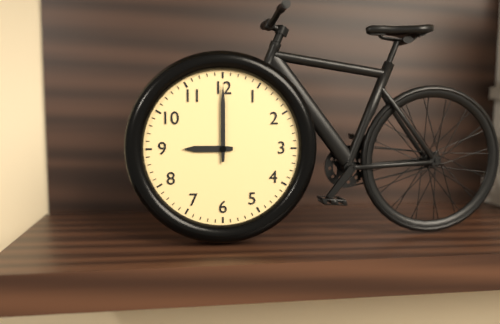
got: 9h00
